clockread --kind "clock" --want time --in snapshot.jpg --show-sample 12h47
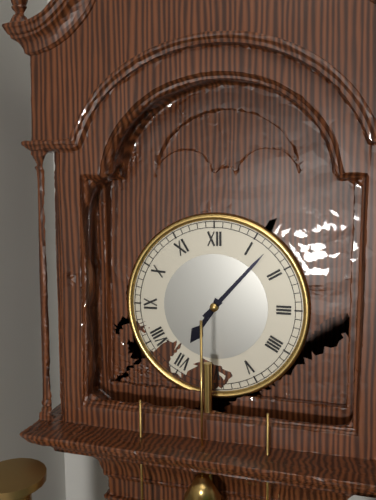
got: 7h07
